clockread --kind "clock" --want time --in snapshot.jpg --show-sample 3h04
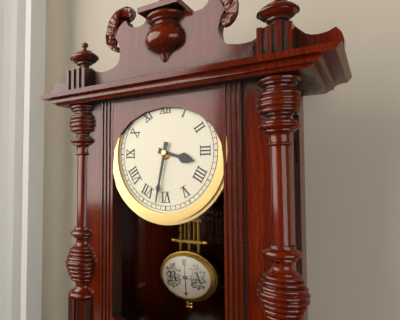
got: 3h32
